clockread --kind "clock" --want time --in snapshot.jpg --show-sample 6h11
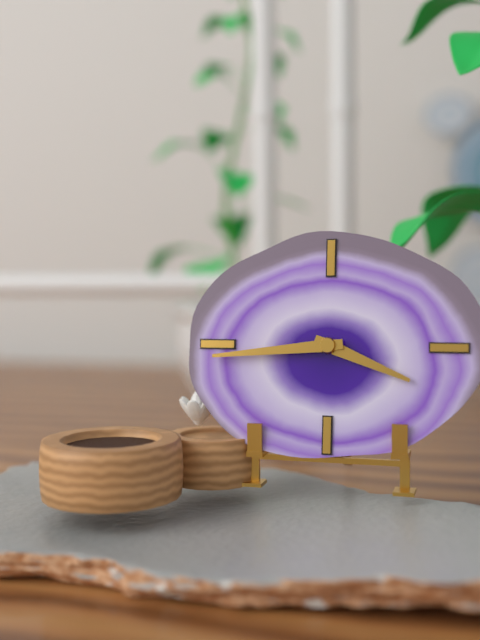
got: 3h44
